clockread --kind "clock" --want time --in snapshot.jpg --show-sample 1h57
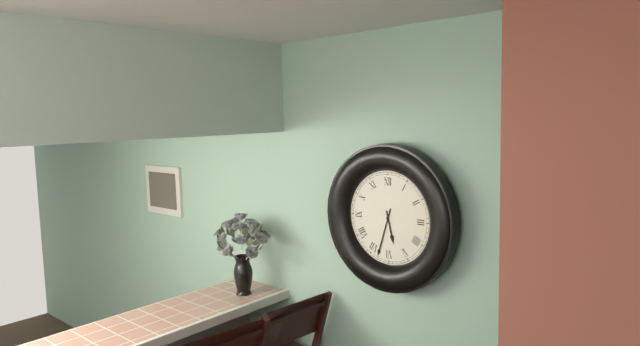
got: 5h33
